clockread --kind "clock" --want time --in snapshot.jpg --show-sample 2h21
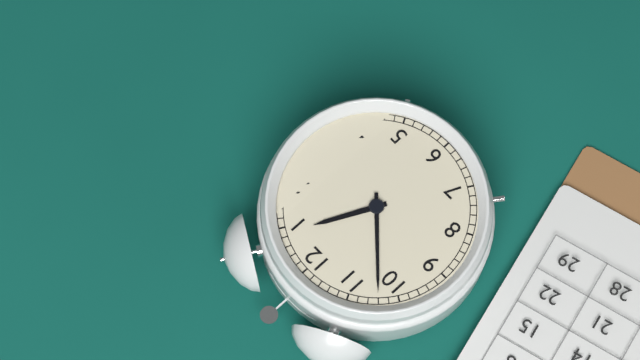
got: 12h52
